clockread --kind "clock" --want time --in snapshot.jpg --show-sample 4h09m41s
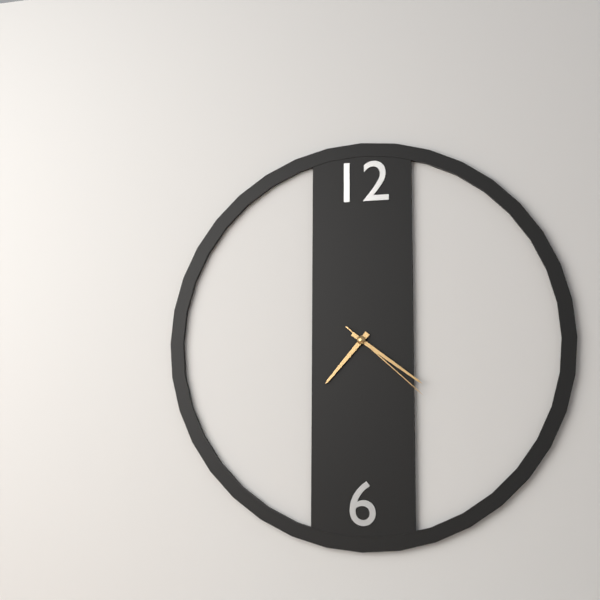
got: 7h21m22s
